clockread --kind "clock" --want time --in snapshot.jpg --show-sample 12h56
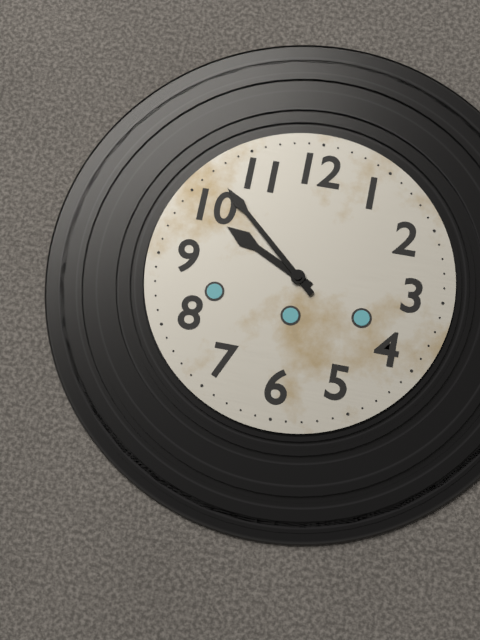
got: 9h52
